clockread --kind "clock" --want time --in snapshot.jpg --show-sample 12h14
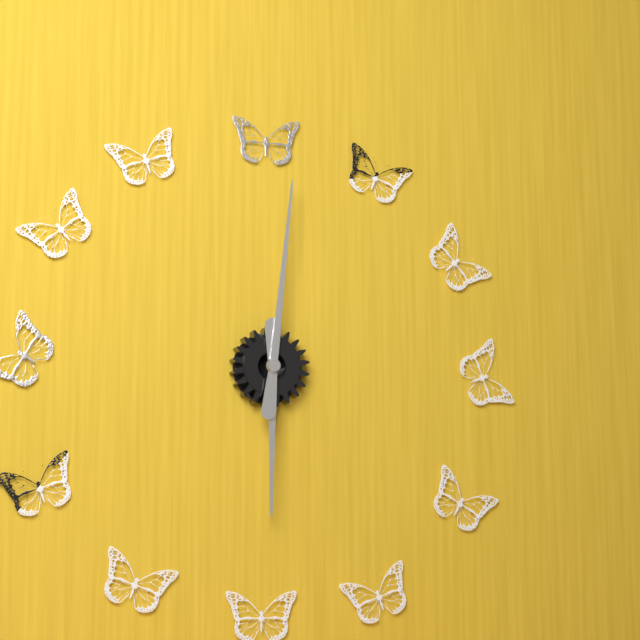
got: 6h01
